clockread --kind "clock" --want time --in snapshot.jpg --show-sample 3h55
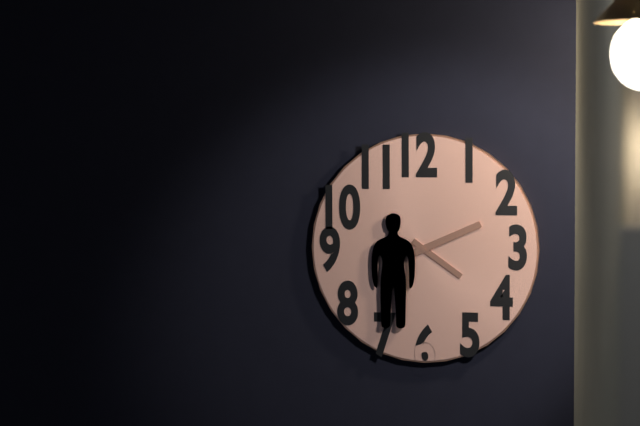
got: 4h11
